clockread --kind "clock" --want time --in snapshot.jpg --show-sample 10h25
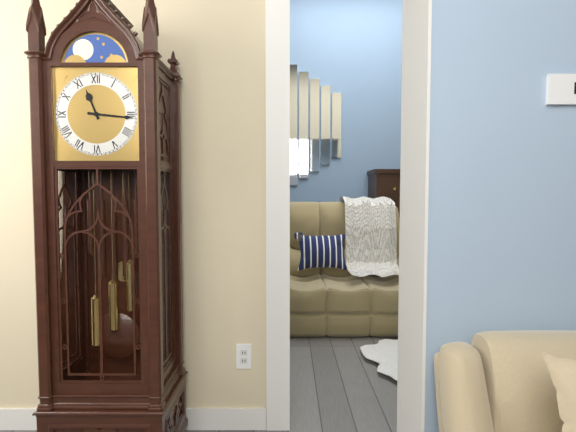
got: 11h16
